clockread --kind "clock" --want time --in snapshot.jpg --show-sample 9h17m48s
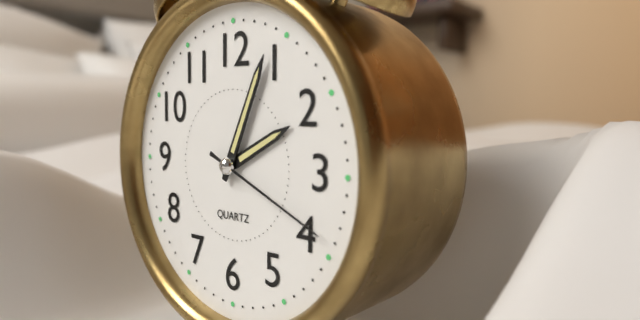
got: 2h04m19s
